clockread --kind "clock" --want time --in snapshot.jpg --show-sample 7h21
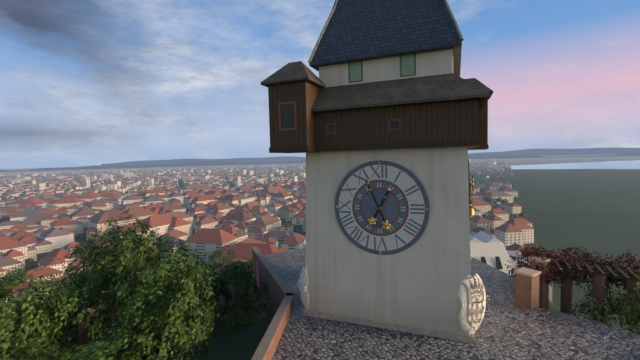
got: 12h56
